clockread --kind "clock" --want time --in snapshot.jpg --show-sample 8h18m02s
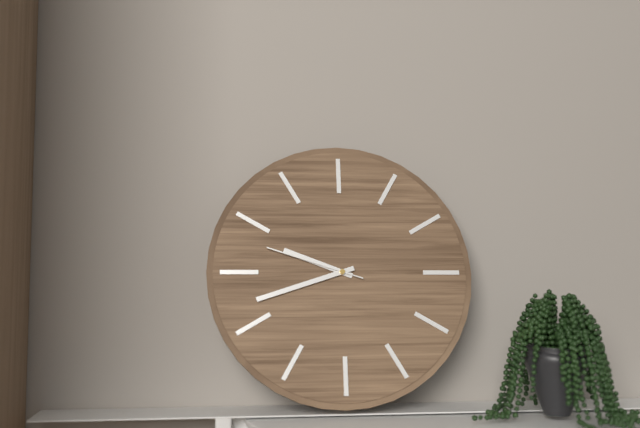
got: 9h42m48s
